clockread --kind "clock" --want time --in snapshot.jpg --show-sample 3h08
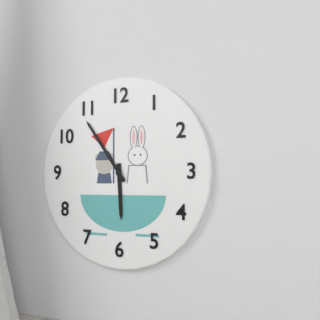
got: 5h54
